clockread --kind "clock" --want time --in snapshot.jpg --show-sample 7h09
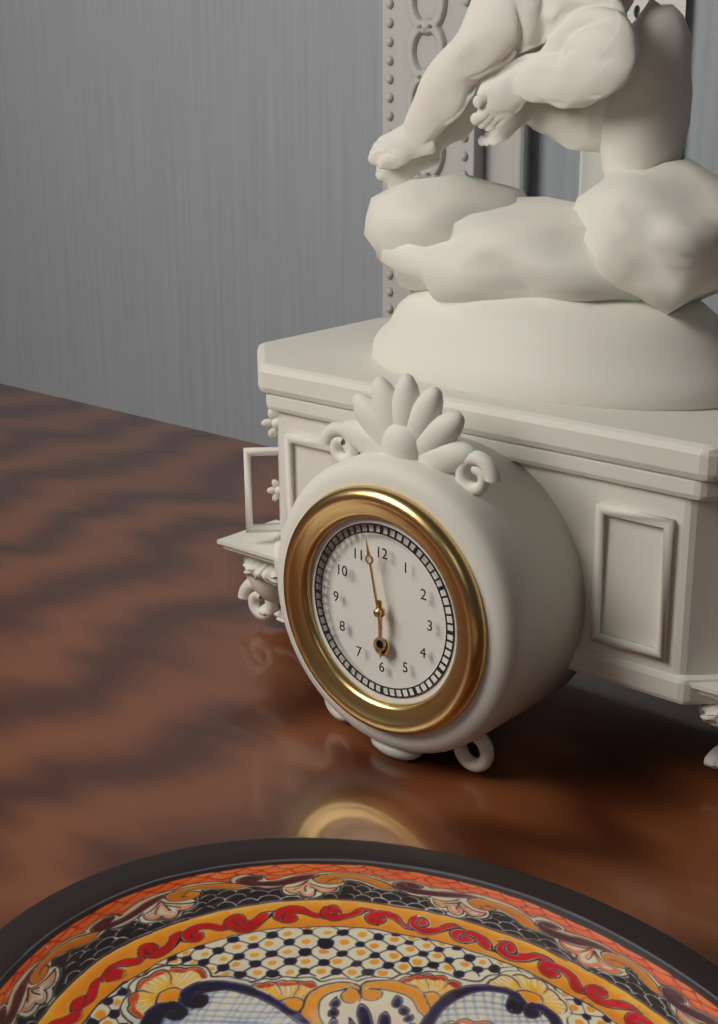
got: 5h58
